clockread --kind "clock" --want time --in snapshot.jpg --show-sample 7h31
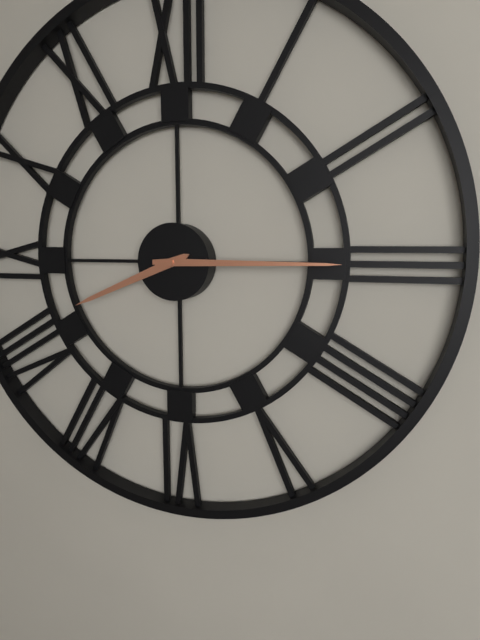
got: 8h15
